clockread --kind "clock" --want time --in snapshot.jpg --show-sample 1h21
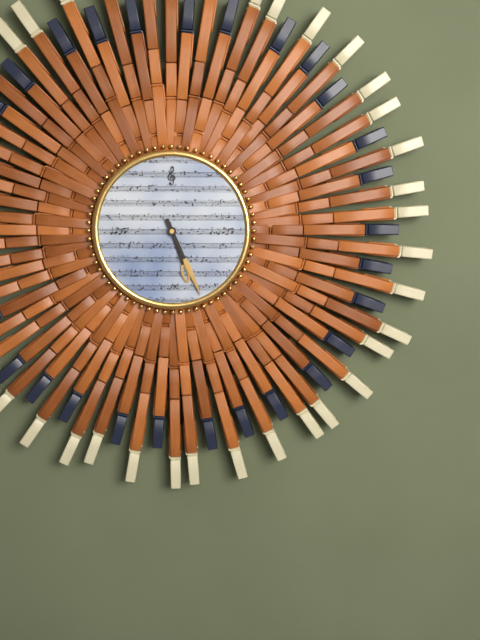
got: 5h26
